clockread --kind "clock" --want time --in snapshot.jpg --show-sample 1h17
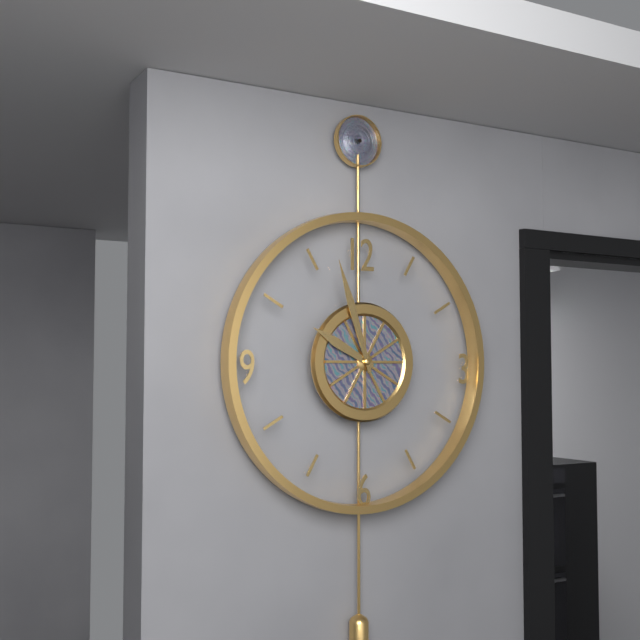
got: 9h57
